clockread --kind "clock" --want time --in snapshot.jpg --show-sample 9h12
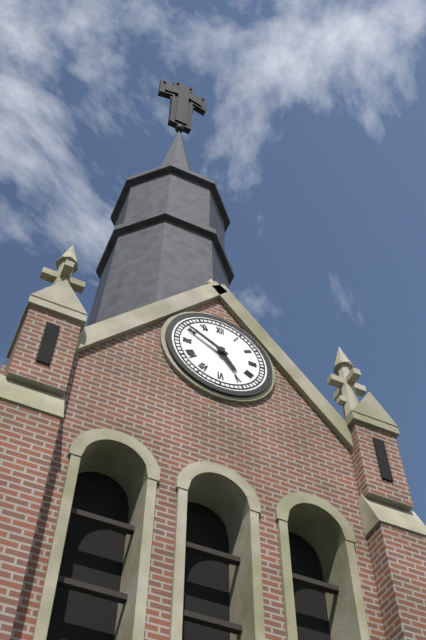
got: 4h50
